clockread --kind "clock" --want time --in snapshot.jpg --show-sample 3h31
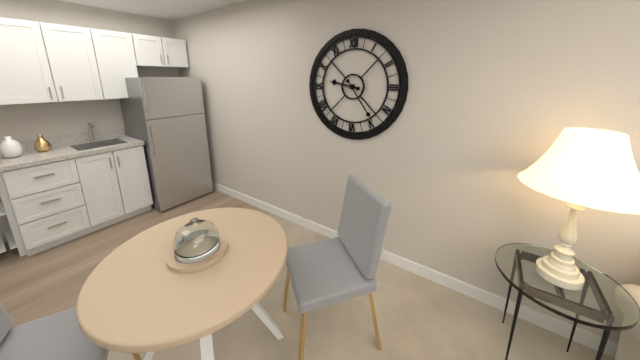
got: 9h24
